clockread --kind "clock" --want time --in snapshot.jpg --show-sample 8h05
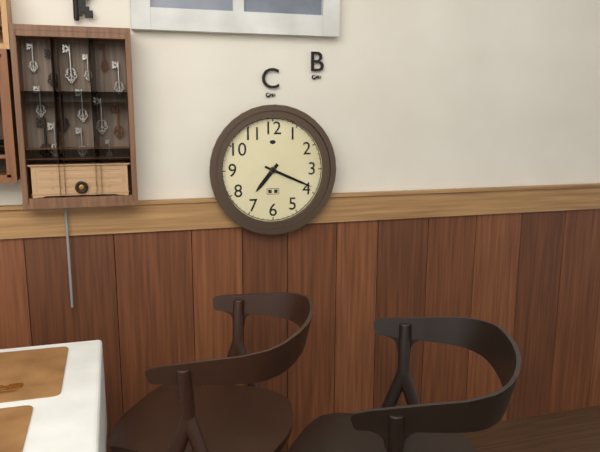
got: 7h19
